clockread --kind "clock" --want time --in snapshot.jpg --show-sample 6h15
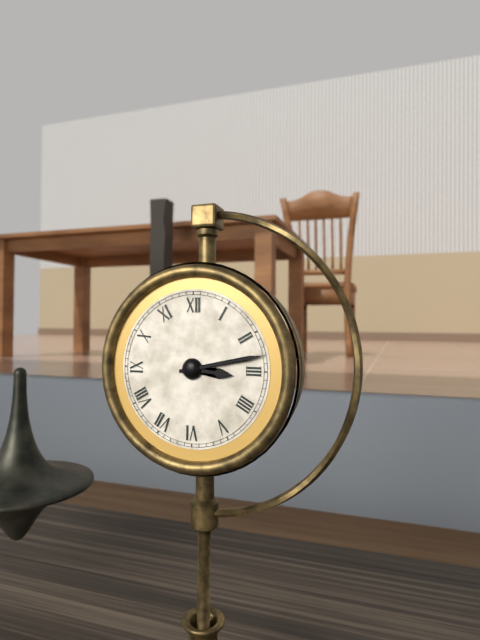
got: 3h13
